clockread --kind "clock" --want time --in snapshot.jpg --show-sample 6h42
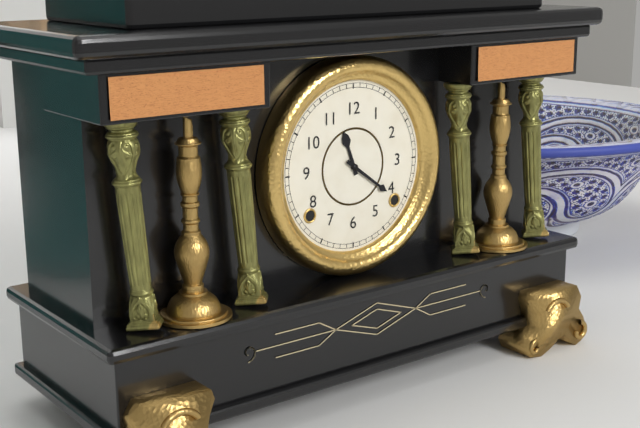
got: 11h21
